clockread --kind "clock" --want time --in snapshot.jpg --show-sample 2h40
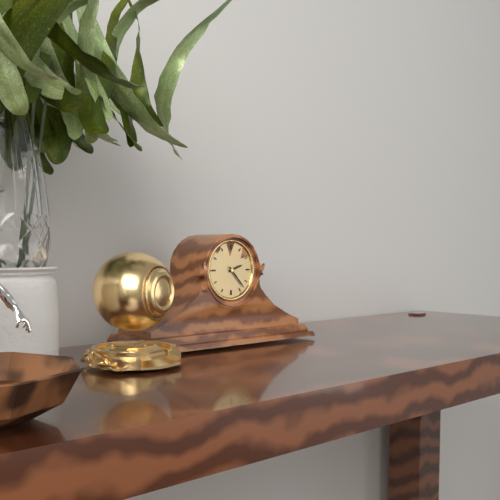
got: 2h23
